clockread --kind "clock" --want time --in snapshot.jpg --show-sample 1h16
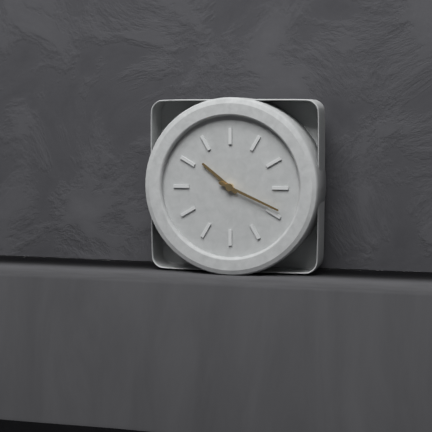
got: 10h19
